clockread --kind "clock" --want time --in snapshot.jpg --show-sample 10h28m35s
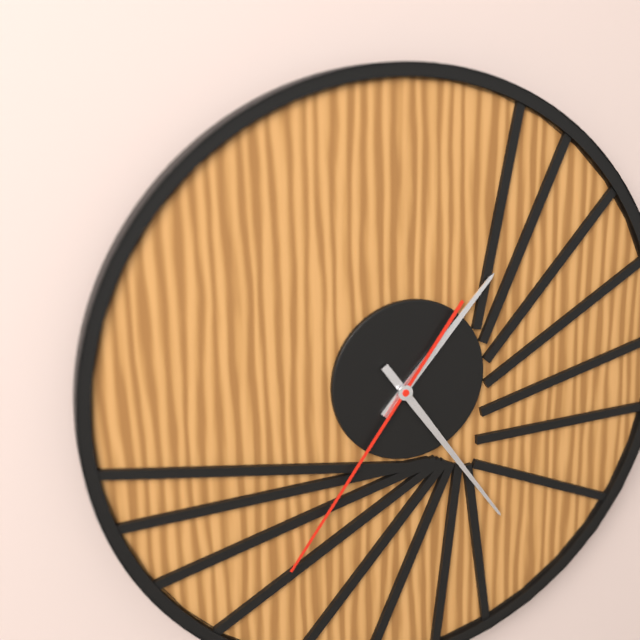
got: 1h24m36s
